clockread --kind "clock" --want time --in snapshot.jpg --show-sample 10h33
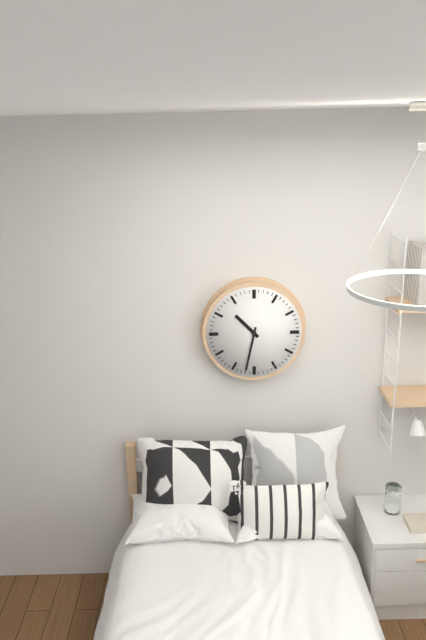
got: 10h32
